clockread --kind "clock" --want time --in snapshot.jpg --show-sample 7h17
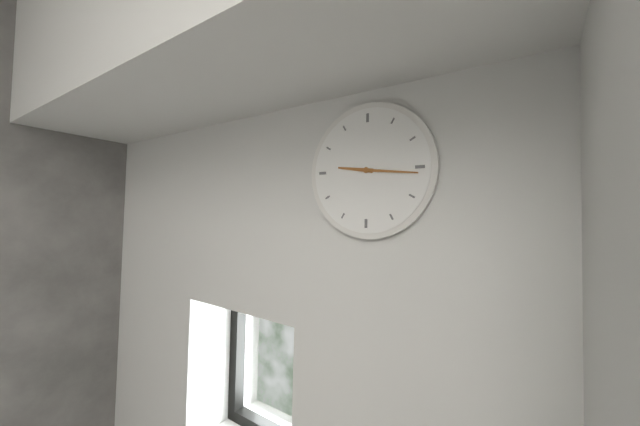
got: 9h16
